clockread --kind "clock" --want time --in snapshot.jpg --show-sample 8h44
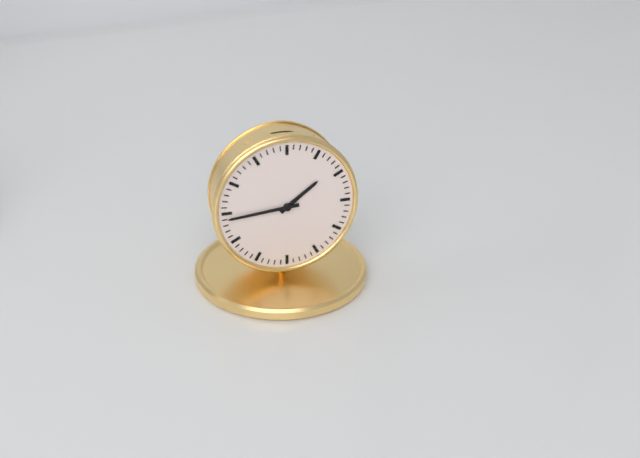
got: 1h44
